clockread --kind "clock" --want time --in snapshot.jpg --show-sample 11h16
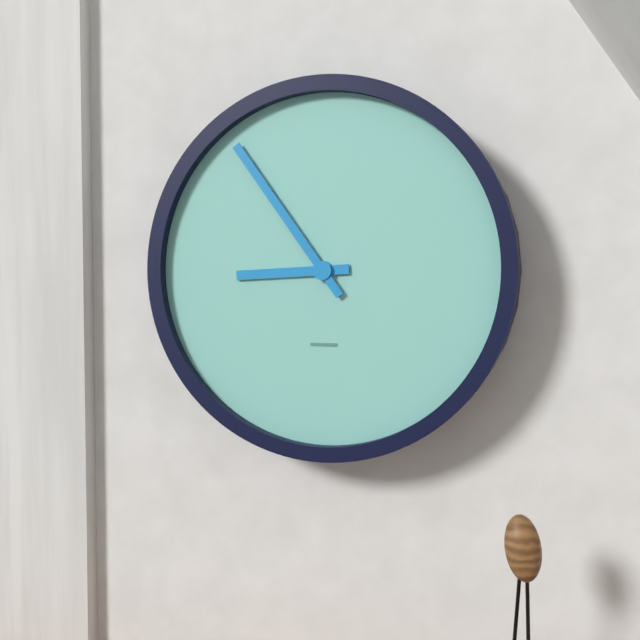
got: 8h54
